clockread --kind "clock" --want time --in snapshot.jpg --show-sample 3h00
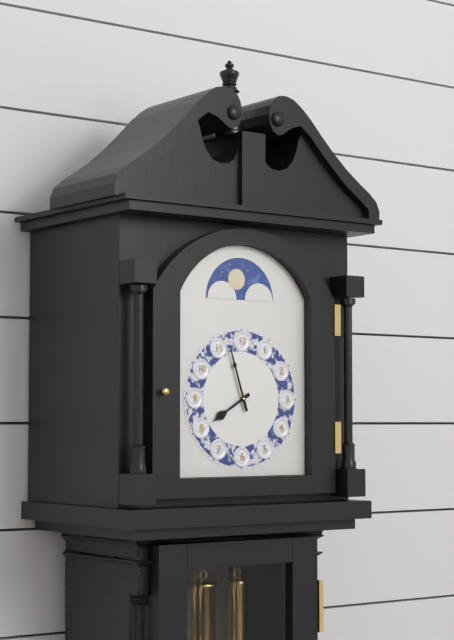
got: 7h57
